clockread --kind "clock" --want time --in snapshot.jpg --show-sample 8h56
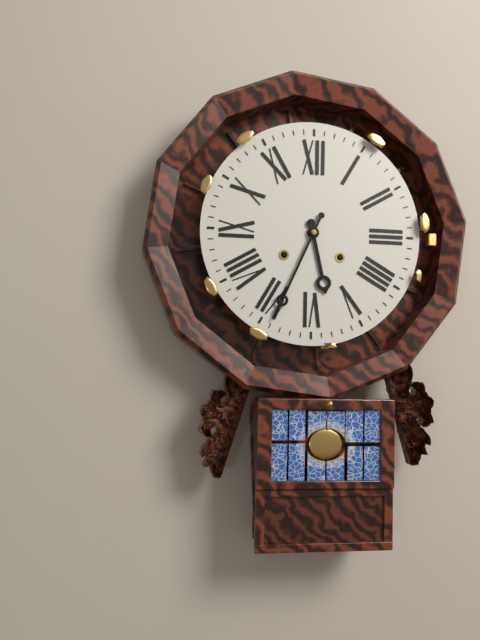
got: 5h34
